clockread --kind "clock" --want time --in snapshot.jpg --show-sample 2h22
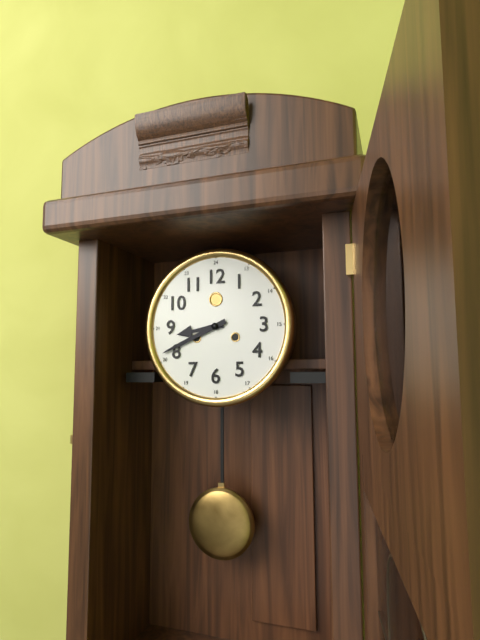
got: 8h41
